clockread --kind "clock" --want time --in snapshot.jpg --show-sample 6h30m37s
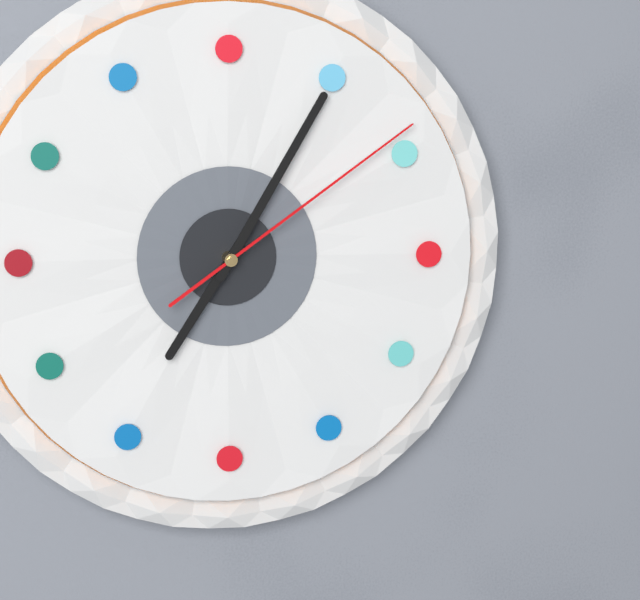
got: 7h05m09s
